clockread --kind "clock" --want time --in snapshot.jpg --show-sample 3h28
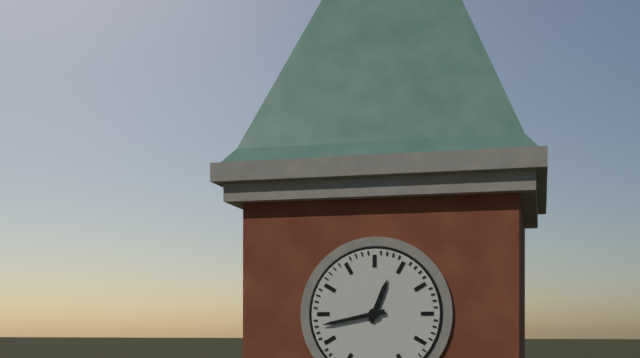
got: 12h43
